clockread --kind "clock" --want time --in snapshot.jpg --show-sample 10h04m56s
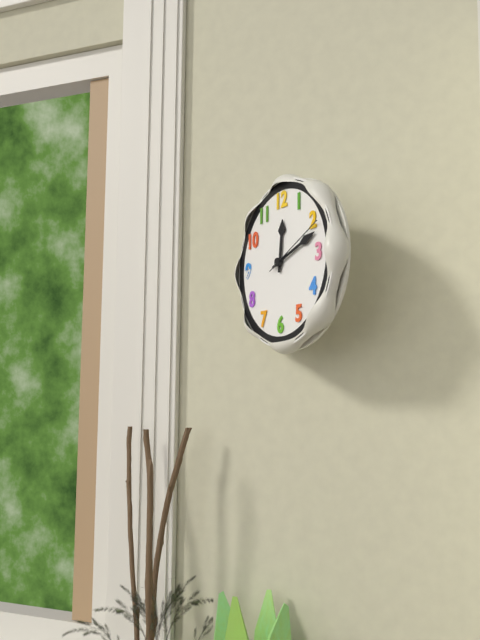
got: 12h12m11s
